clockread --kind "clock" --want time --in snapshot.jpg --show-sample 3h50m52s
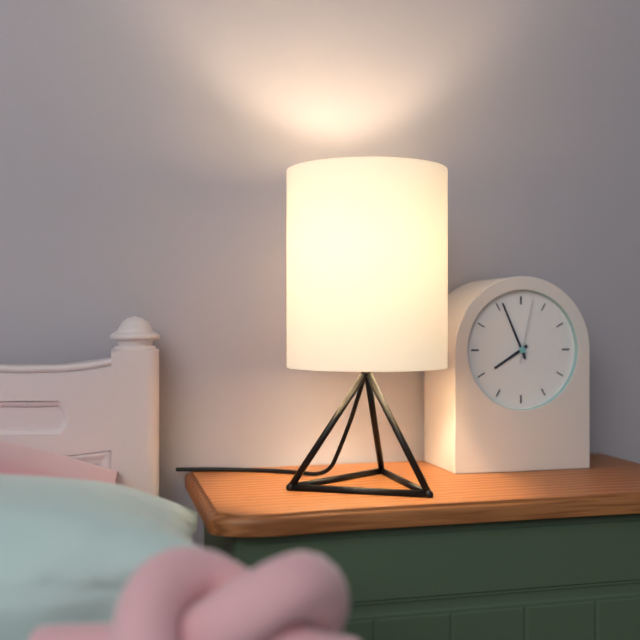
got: 7h56m02s
